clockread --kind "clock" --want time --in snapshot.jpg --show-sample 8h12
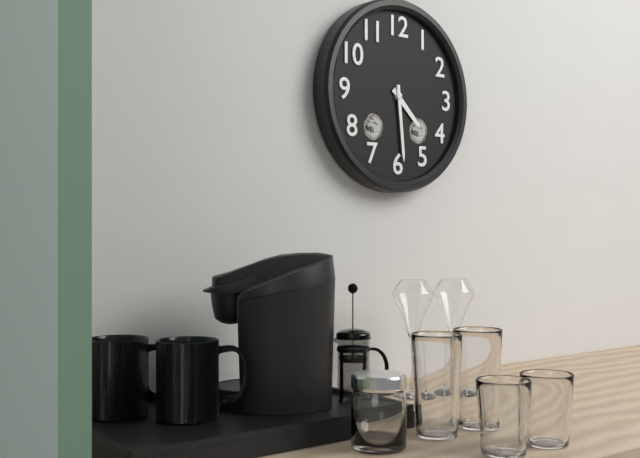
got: 4h29
